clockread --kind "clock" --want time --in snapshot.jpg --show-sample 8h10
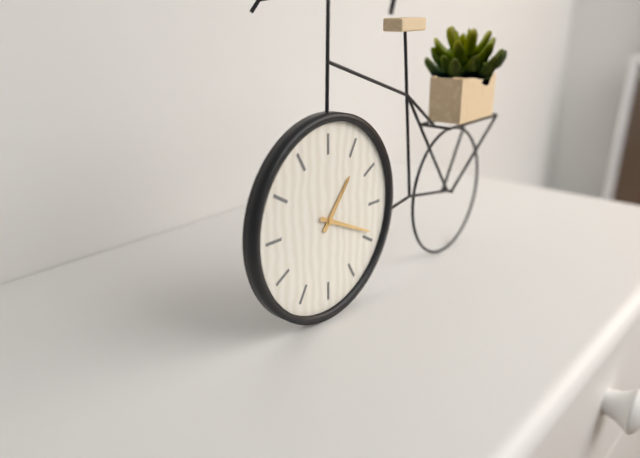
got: 1h19
